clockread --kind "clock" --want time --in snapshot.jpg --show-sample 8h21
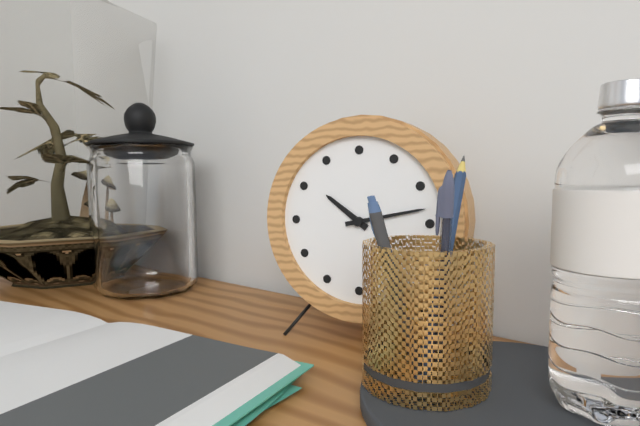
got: 10h13
